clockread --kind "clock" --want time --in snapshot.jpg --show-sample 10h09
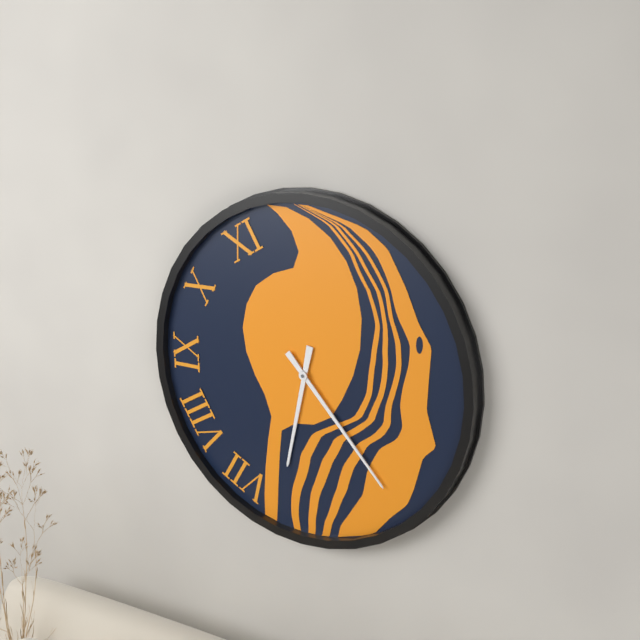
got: 6h23
